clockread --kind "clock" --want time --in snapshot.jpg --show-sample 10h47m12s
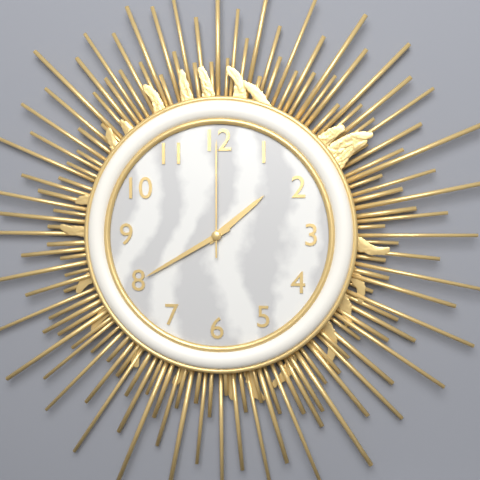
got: 1h40m00s
